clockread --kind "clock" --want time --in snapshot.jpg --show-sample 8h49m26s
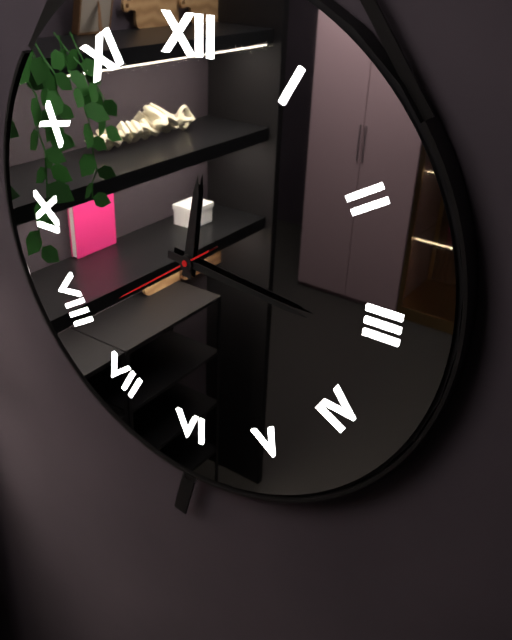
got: 12h16m39s
